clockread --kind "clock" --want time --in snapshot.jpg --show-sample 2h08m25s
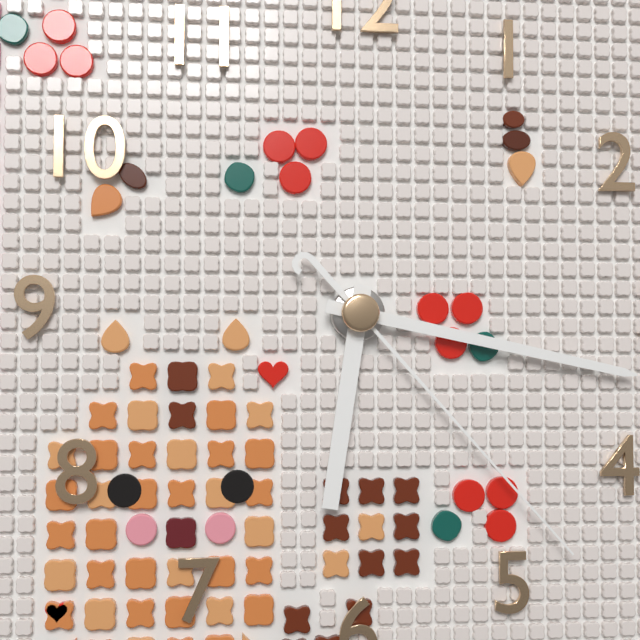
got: 6h17m23s
